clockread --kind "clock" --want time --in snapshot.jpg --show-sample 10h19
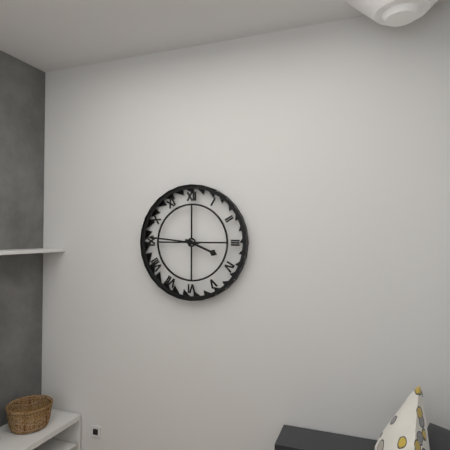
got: 3h46
